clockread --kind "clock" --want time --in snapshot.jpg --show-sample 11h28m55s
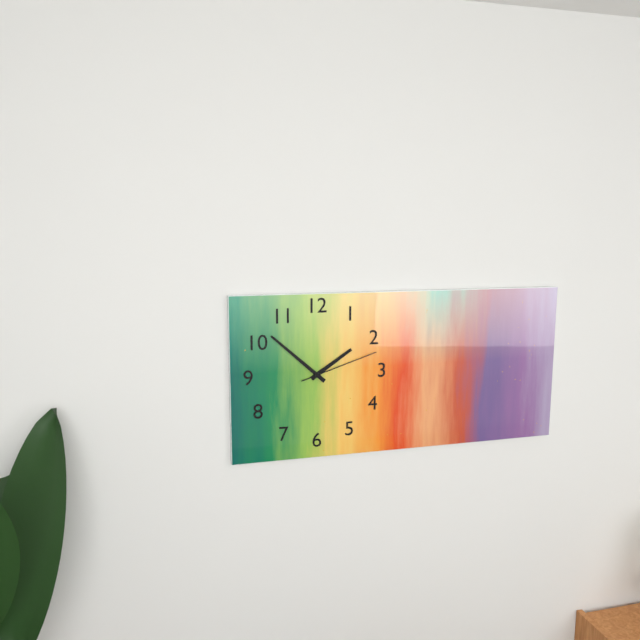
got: 1h52m12s
